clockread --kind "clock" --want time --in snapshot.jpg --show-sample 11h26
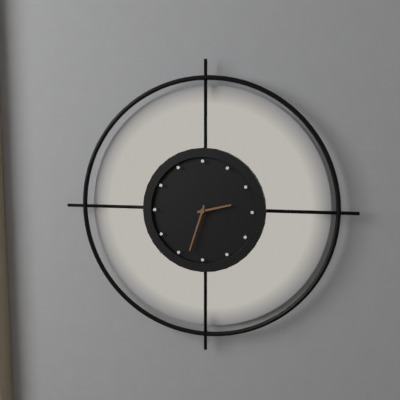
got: 2h33
